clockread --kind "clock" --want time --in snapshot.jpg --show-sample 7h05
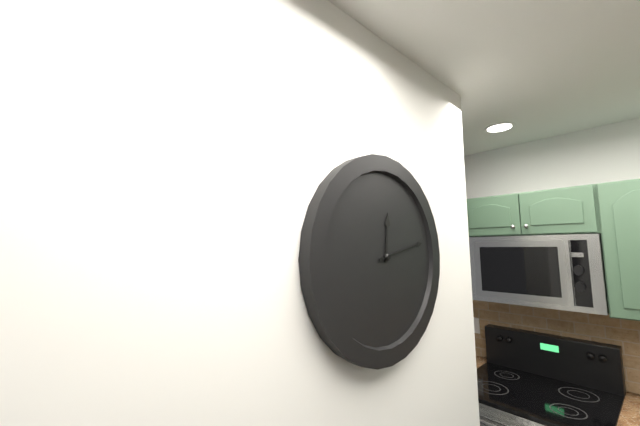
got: 12h13
